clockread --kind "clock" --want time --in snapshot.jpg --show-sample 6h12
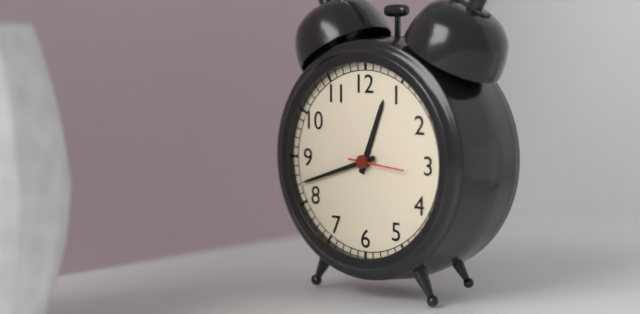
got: 12h42
